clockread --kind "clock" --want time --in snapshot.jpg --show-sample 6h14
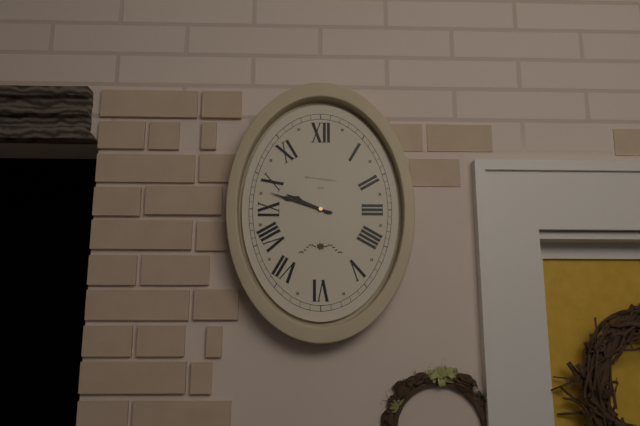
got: 9h48
